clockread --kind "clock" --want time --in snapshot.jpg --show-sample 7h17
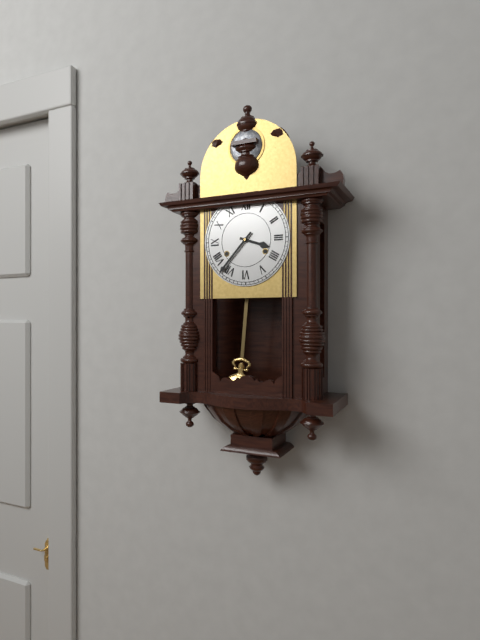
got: 3h37
